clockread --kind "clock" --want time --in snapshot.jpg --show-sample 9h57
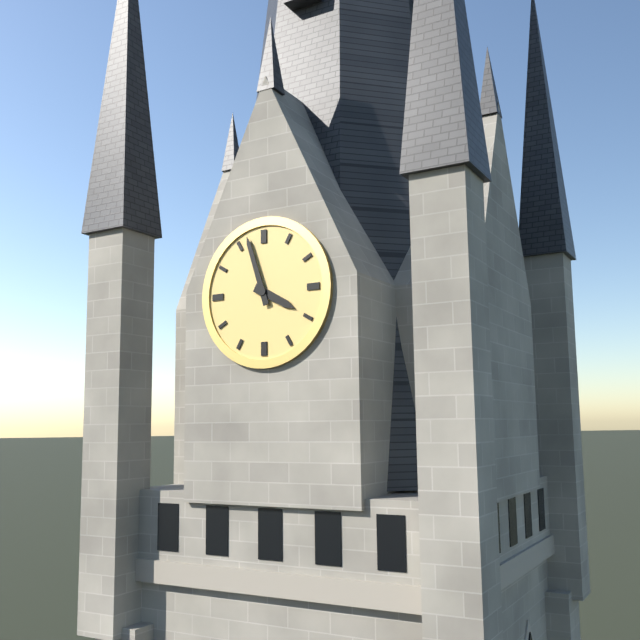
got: 3h57
